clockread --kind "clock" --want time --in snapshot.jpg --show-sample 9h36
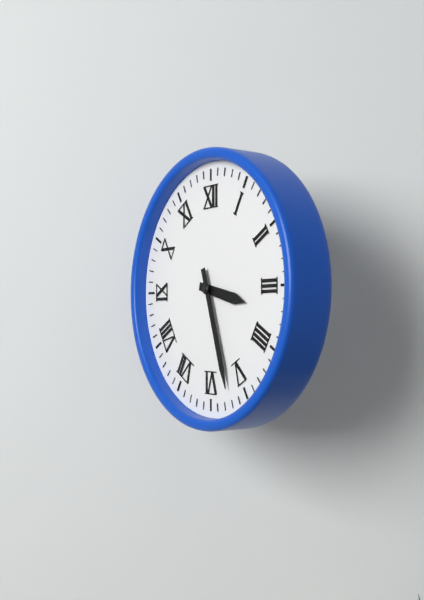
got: 3h27
